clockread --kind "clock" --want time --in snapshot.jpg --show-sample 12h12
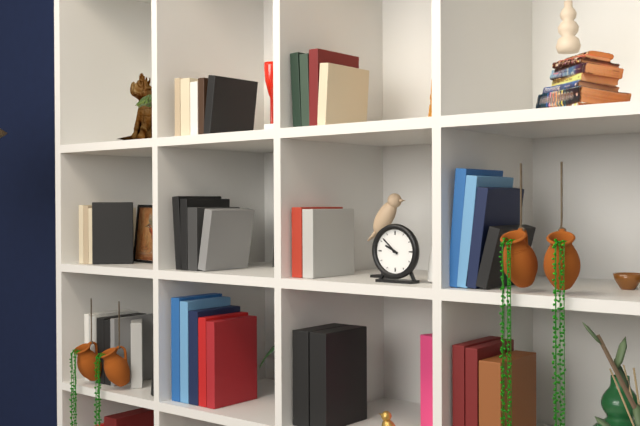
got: 9h52
